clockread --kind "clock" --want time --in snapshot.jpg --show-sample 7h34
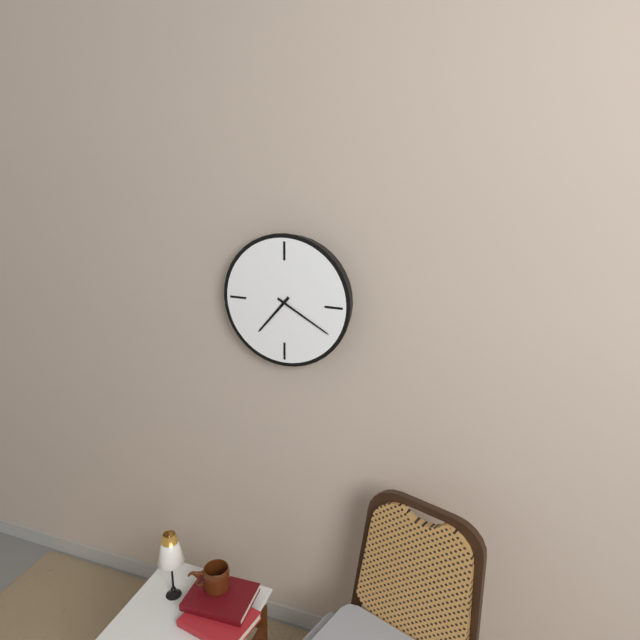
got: 7h20
